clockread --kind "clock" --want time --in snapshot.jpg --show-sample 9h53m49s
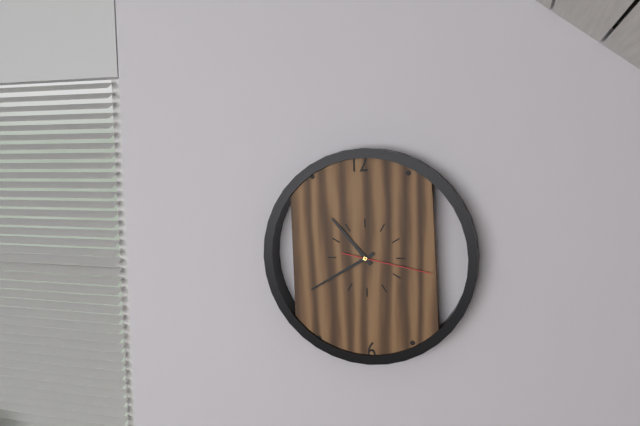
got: 10h40m17s
